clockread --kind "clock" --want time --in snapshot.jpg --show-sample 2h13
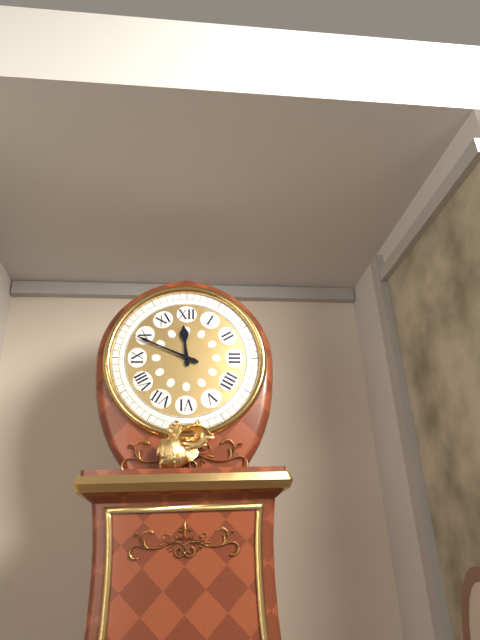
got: 11h49
